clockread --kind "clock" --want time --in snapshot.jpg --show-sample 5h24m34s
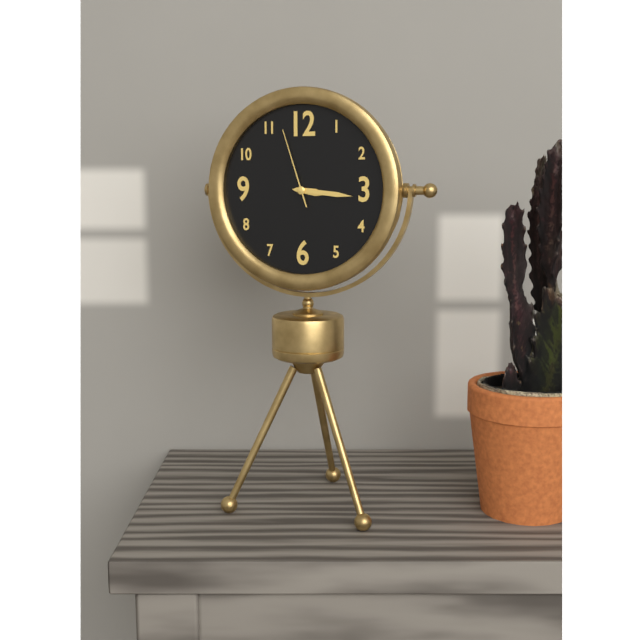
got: 3h16m57s
